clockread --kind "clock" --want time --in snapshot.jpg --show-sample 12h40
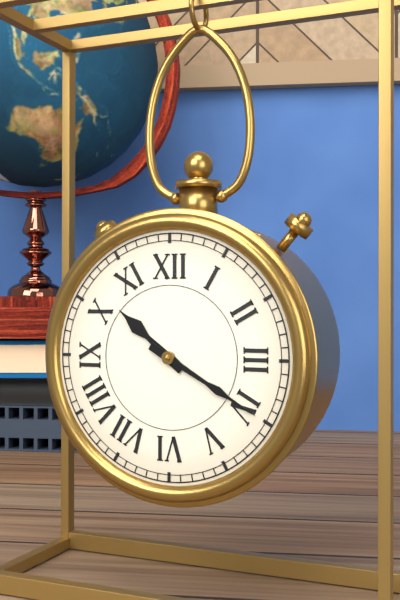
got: 10h20
